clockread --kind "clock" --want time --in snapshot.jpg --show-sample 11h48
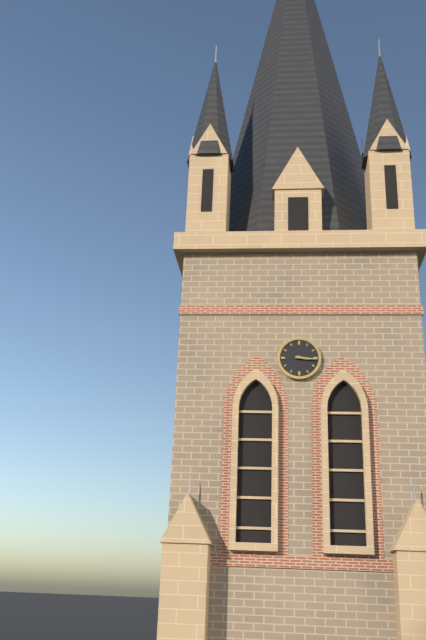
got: 3h16
